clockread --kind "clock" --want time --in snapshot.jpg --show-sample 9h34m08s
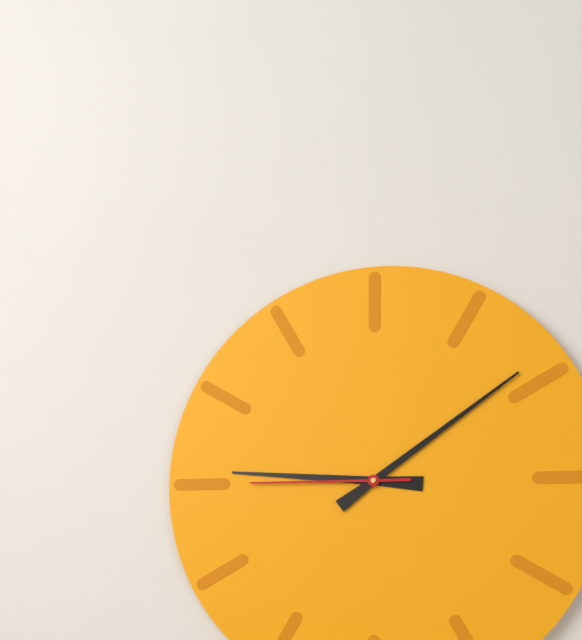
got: 9h09m45s
